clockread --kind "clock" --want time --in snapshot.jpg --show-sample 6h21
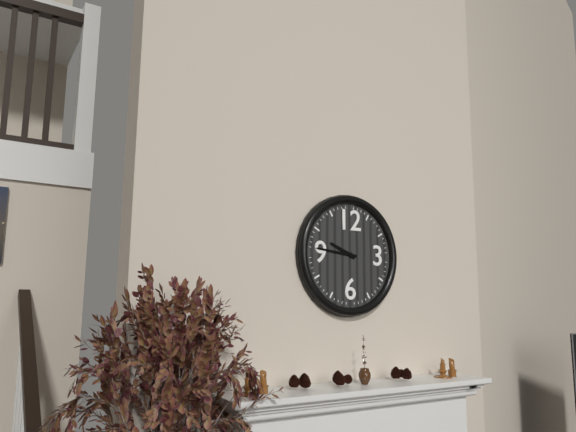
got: 9h46
